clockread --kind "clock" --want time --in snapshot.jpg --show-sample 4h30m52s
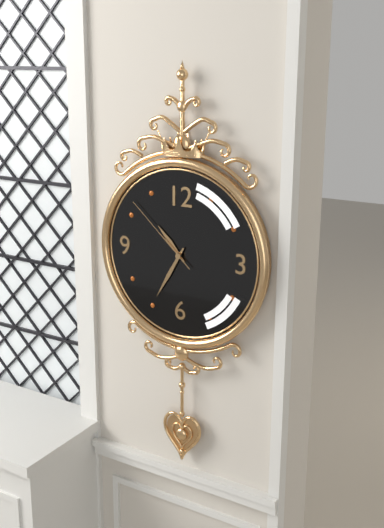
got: 10h35m52s
